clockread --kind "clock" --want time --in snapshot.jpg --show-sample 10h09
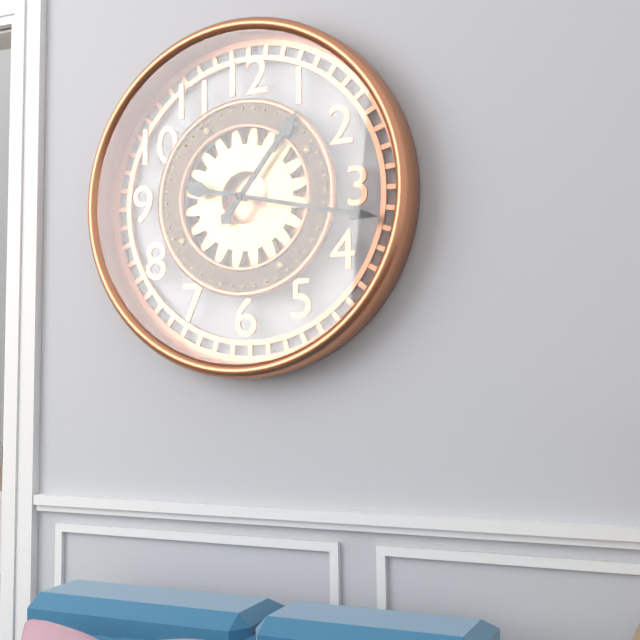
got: 1h17
